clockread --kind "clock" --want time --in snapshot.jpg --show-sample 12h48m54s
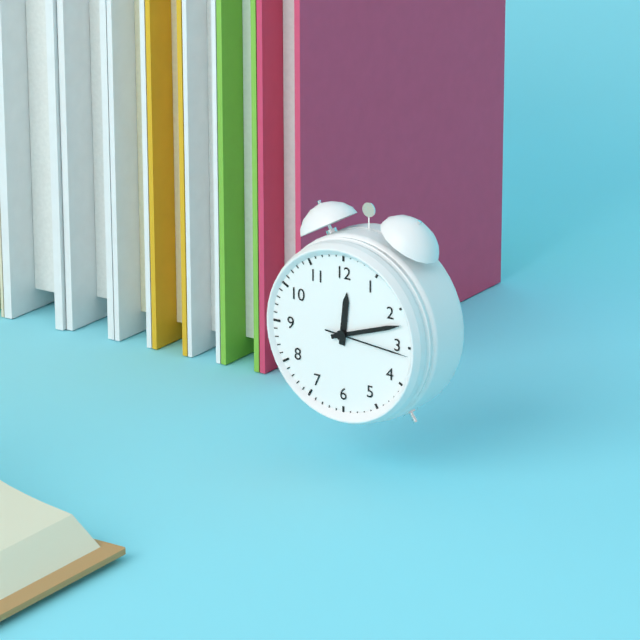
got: 12h12m16s
